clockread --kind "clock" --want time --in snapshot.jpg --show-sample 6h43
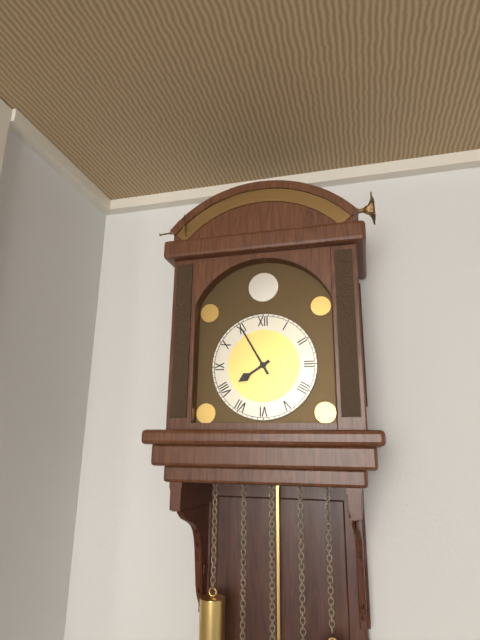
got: 7h55
